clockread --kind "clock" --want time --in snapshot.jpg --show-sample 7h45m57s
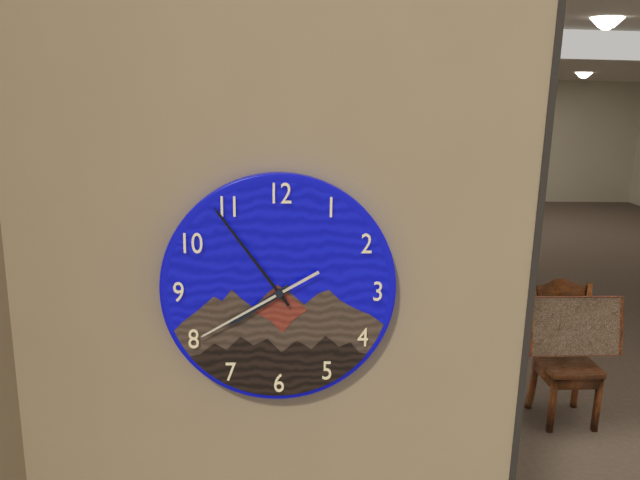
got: 7h54m40s
